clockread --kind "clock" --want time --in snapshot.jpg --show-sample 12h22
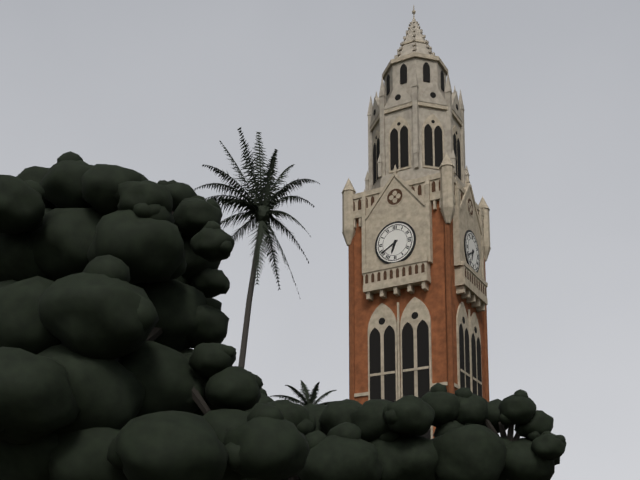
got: 6h40
